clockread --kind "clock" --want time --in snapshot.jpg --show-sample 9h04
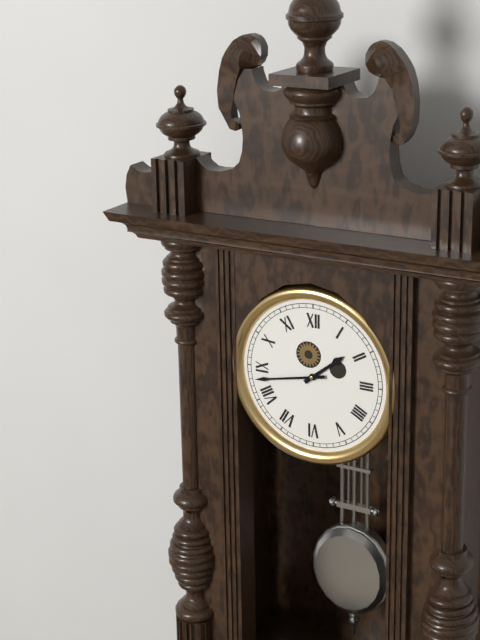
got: 1h43
